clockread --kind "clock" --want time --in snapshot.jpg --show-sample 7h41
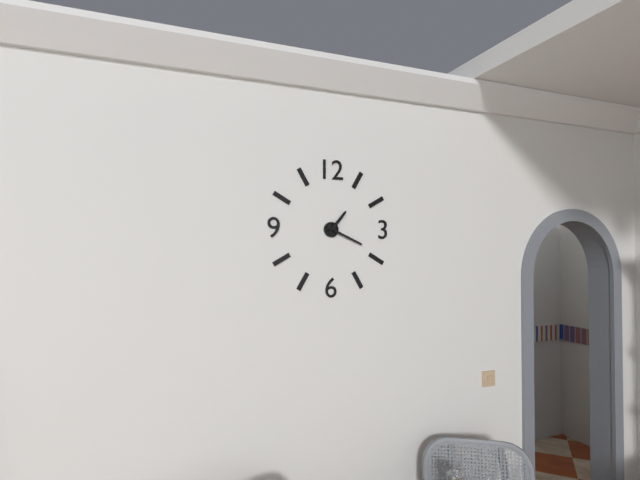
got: 1h19
